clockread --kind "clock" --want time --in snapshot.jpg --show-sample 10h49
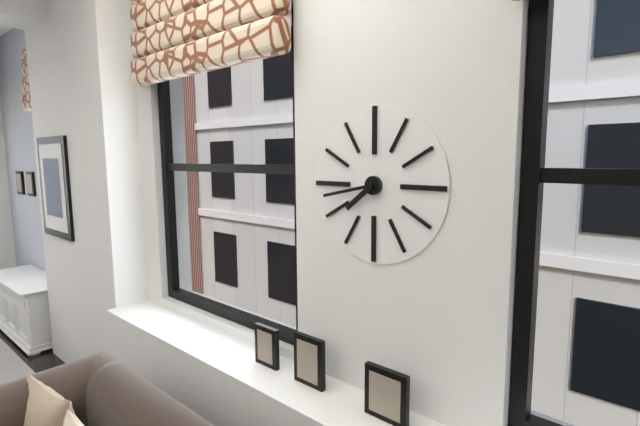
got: 7h43
